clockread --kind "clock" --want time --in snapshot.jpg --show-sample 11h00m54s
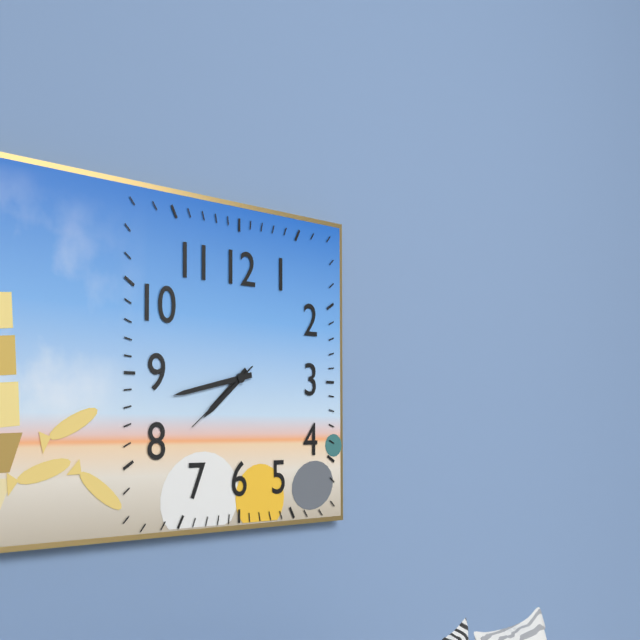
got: 7h43m39s
